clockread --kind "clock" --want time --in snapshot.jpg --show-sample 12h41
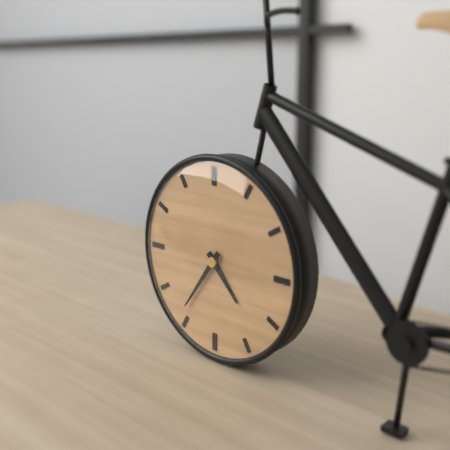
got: 4h36
